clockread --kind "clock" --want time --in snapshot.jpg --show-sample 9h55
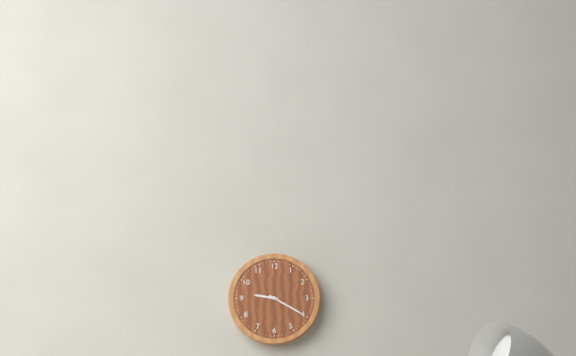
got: 9h20
